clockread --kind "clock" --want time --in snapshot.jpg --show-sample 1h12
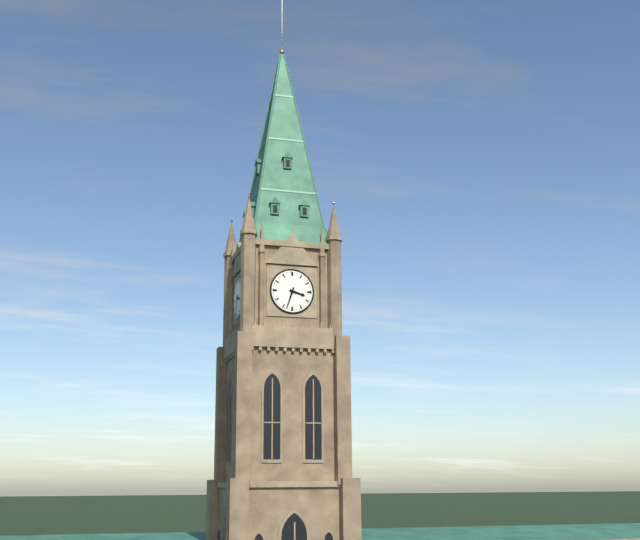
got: 3h33
